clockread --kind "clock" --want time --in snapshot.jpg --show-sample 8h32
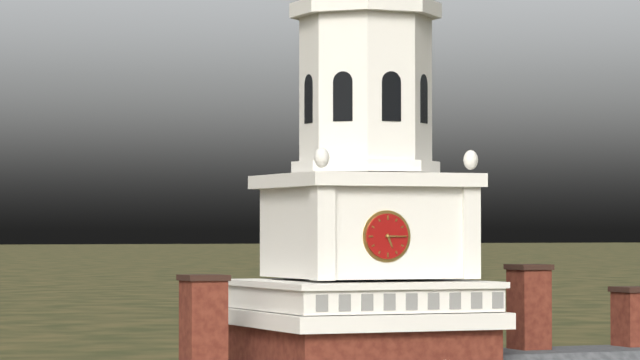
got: 5h15
